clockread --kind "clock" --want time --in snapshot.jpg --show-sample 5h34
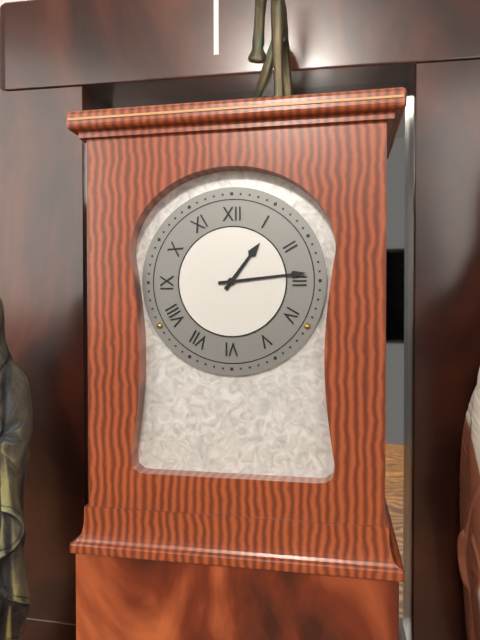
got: 1h14
